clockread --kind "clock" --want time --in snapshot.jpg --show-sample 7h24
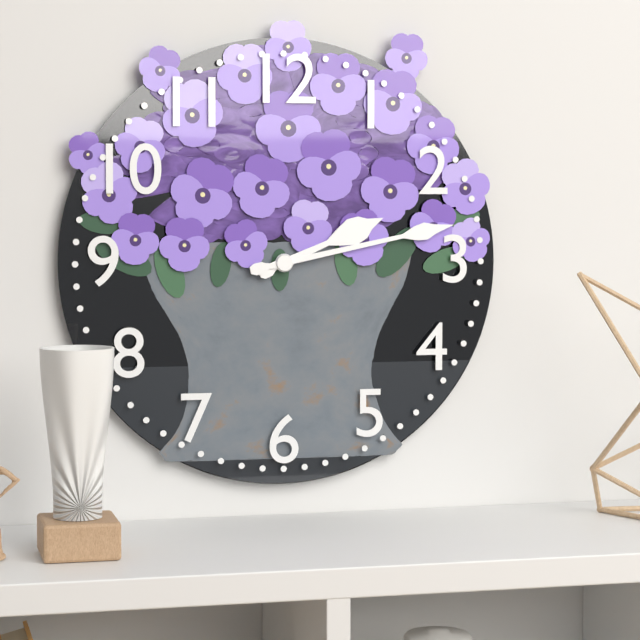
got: 2h13
